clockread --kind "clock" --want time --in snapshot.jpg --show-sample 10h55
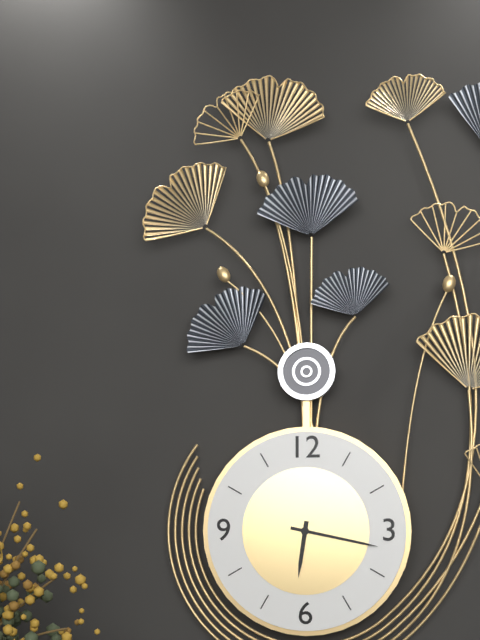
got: 6h17
